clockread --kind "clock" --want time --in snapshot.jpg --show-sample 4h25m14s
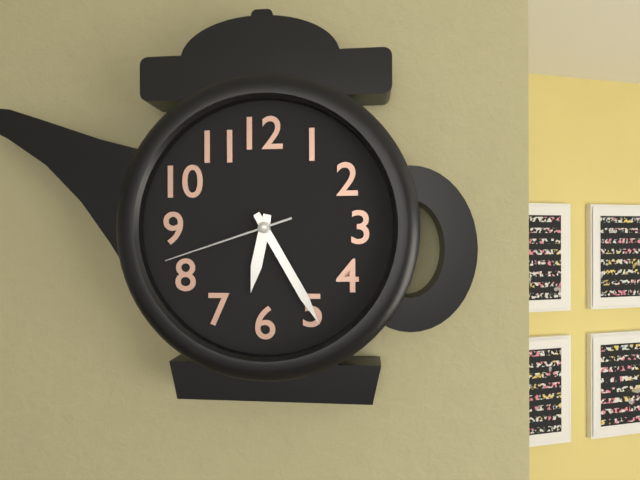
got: 6h25m42s
